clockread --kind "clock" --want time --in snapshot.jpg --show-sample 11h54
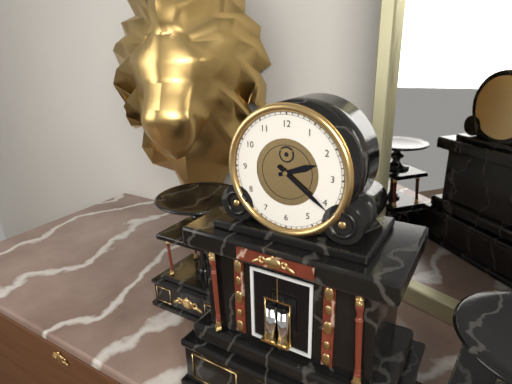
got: 2h21
